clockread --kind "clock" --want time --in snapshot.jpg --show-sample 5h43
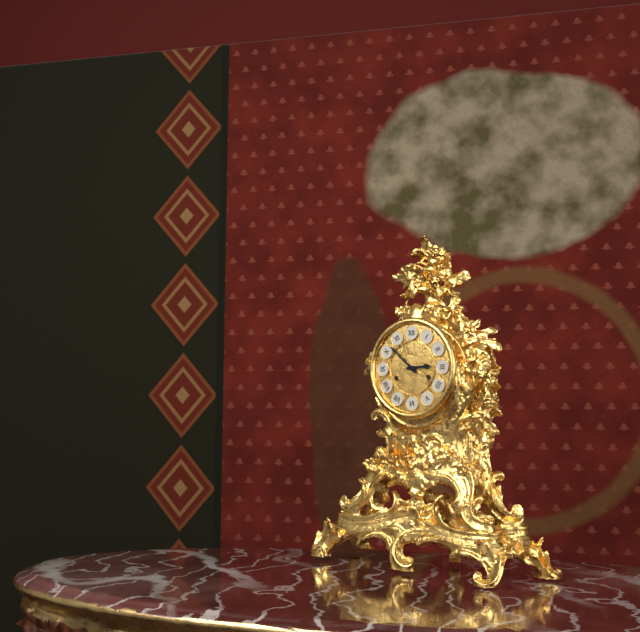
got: 2h52
